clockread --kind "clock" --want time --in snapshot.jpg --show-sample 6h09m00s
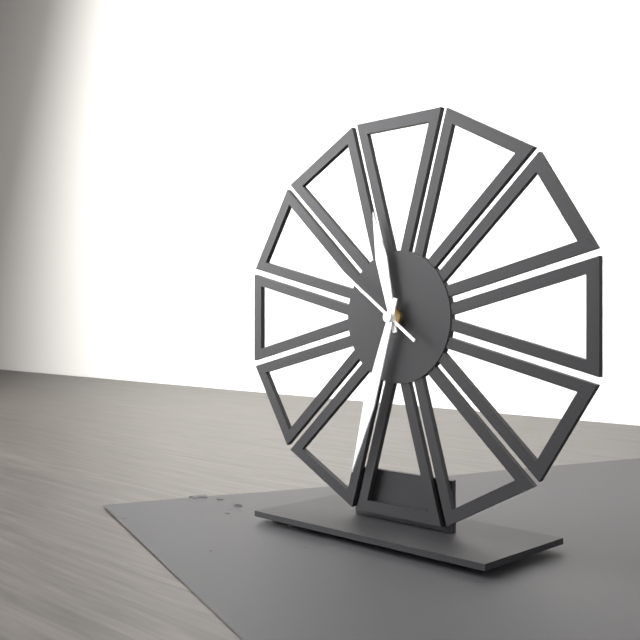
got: 11h33m51s
